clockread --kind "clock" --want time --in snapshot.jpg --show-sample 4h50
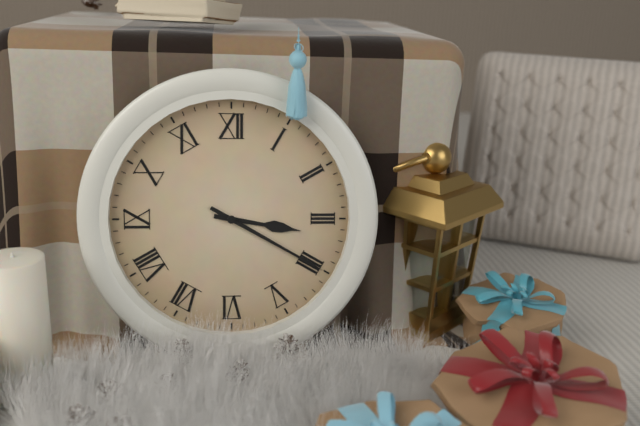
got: 3h20
